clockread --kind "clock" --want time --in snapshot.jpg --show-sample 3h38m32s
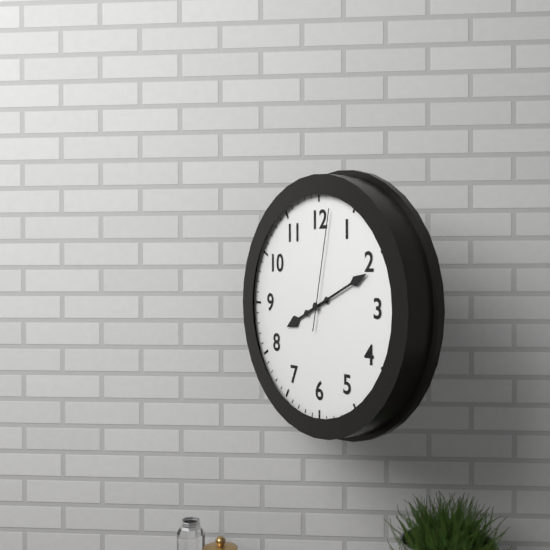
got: 8h11m02s
